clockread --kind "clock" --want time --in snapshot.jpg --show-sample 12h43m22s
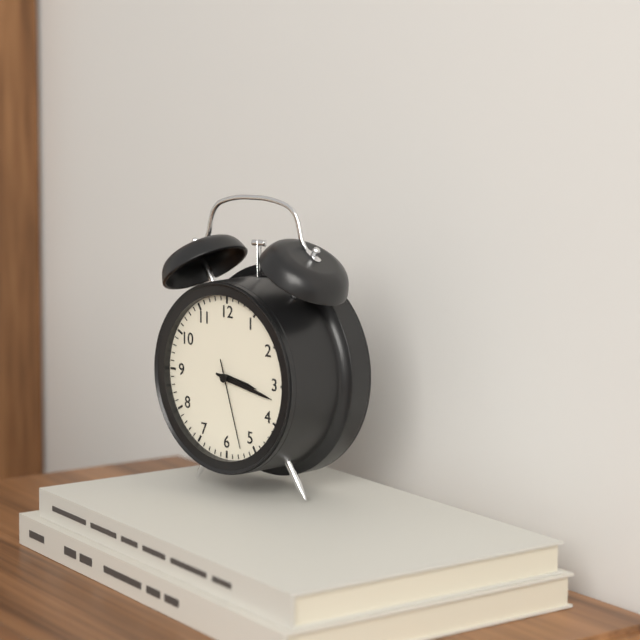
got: 3h17m27s
